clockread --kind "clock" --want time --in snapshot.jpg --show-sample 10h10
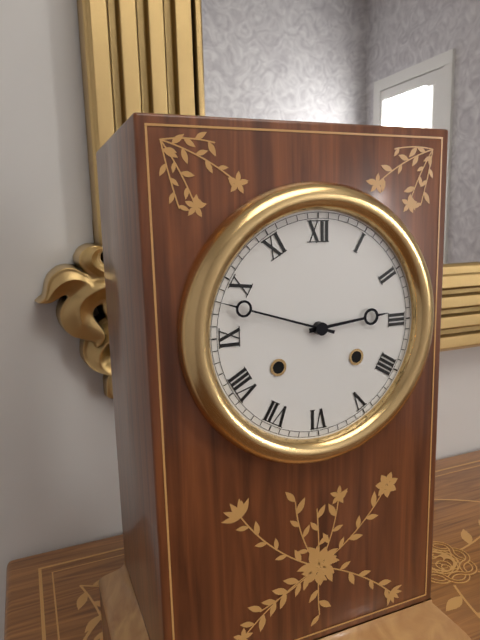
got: 2h48
